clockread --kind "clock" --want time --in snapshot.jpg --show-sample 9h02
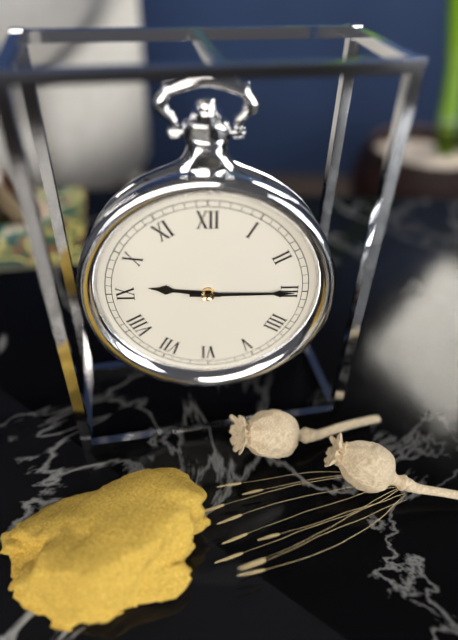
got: 9h15
